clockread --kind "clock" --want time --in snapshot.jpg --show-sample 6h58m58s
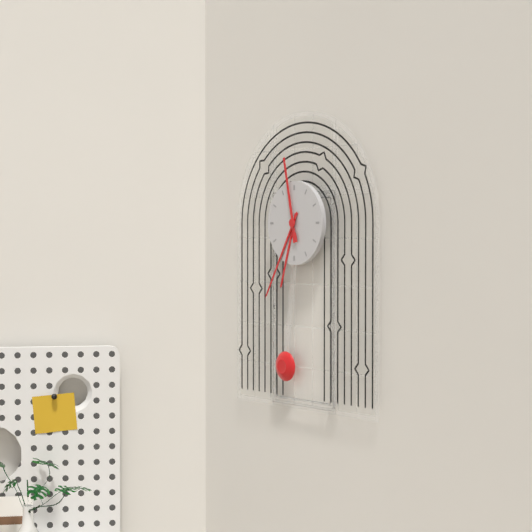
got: 6h35m58s
